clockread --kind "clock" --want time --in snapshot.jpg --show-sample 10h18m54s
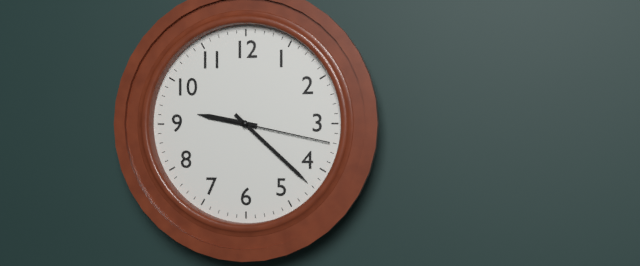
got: 9h22m17s
